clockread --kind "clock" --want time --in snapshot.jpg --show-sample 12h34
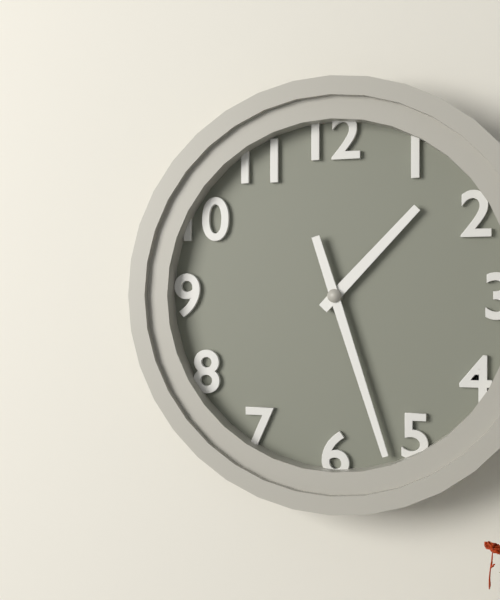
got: 1h27
